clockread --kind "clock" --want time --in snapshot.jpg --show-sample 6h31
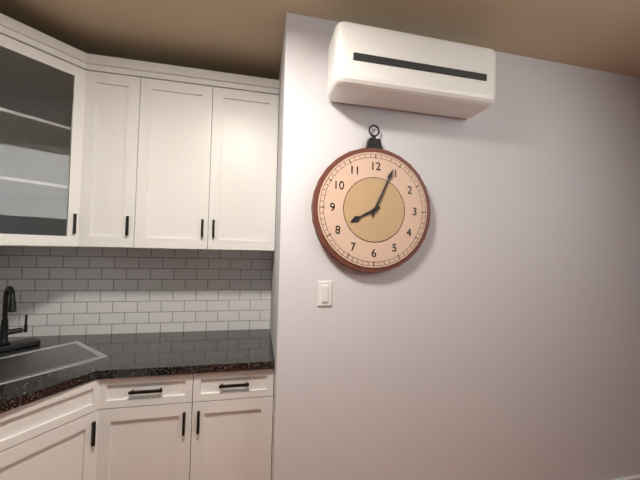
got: 8h04
